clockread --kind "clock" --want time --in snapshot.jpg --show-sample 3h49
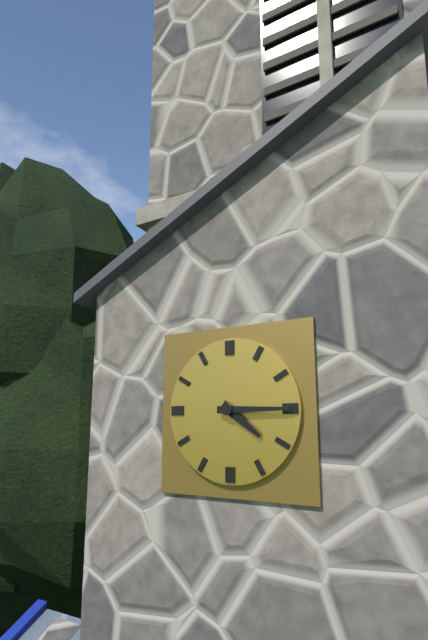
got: 4h15
